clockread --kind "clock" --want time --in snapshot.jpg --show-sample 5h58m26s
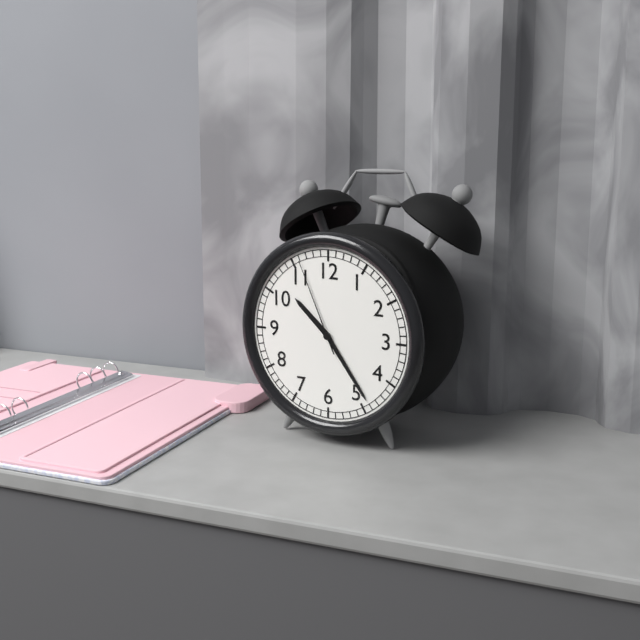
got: 10h24m56s
